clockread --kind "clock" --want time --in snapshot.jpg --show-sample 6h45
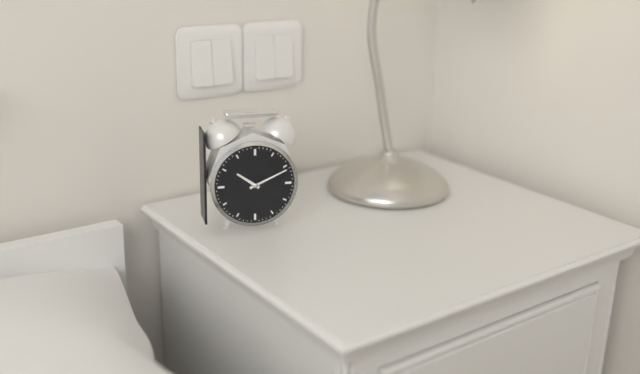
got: 10h11
